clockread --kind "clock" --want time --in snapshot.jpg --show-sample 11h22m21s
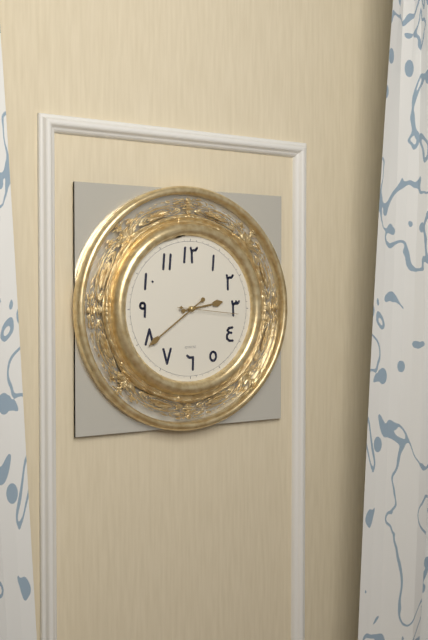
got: 2h39m16s
